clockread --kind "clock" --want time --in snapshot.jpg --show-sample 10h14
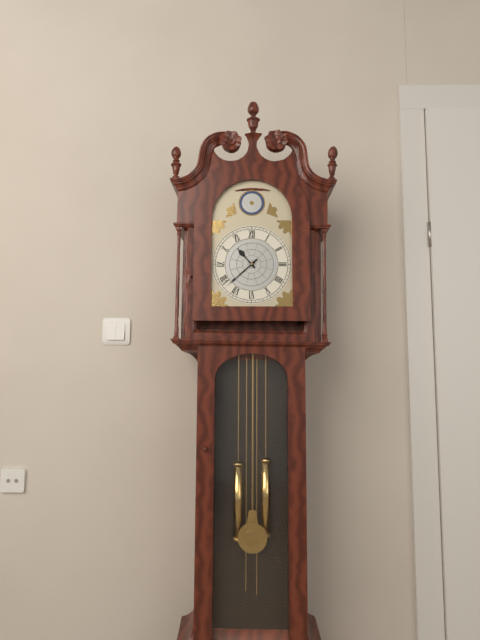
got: 10h38
